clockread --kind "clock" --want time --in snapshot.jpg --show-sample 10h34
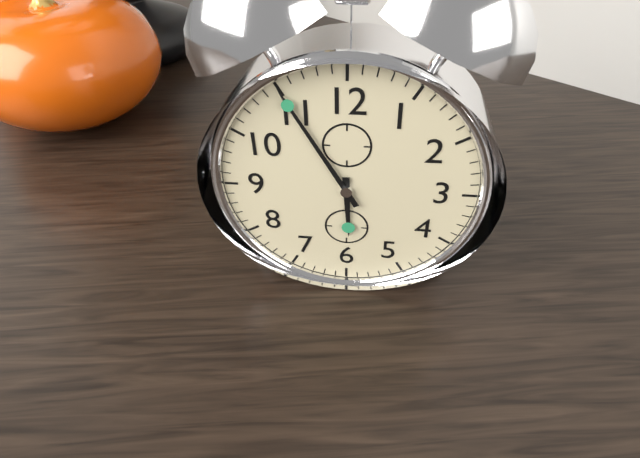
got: 5h55
